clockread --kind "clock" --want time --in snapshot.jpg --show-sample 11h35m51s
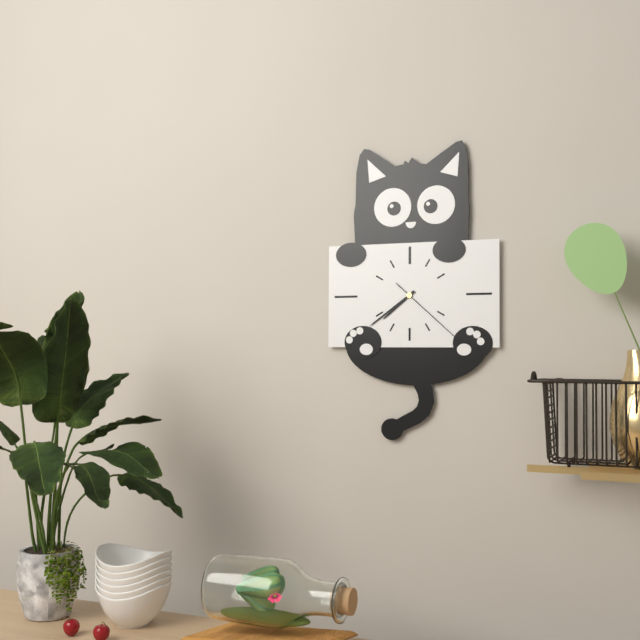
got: 7h39m22s
